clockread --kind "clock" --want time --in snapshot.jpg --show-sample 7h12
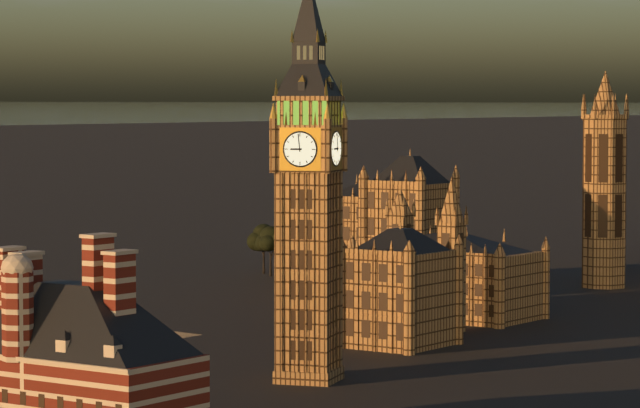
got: 8h59
